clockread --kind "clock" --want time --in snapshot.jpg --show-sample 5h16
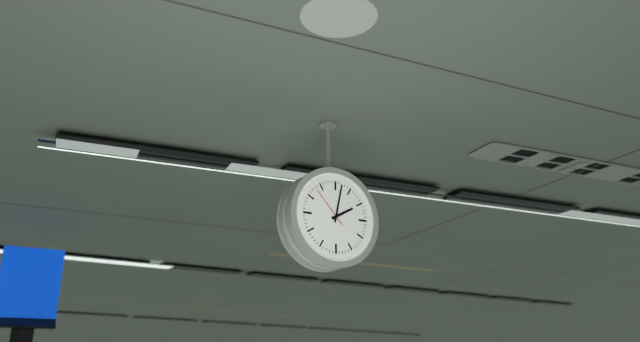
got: 2h02
